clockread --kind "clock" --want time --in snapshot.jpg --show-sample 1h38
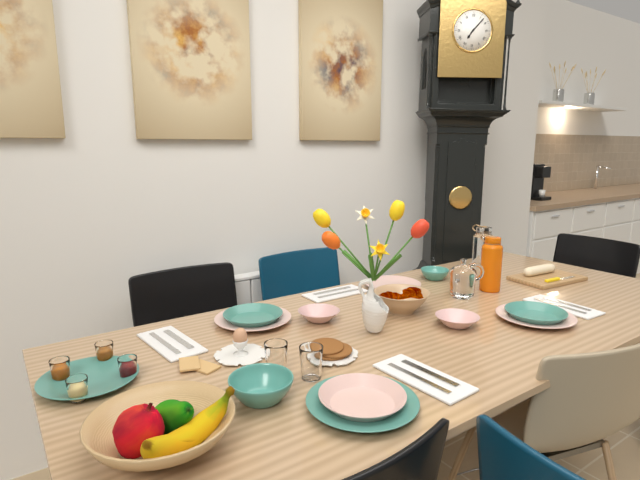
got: 7h07
